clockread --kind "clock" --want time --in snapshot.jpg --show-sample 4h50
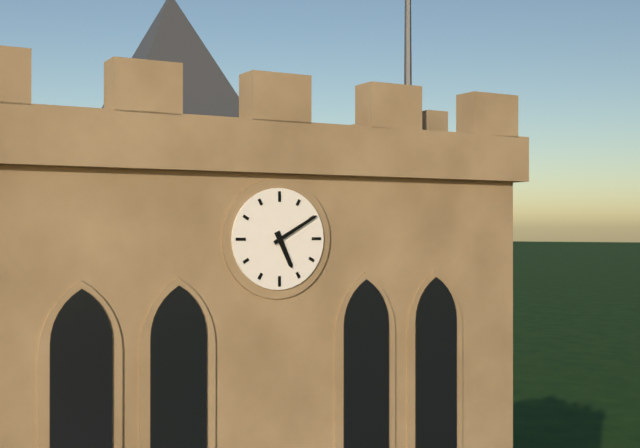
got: 5h10
